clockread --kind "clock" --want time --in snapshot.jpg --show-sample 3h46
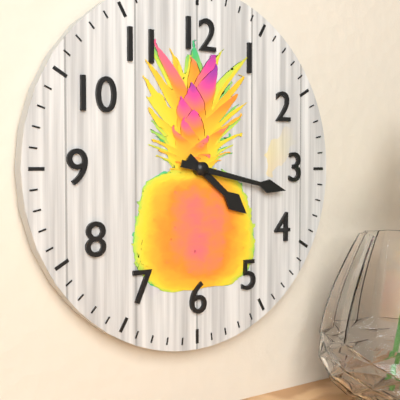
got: 4h17
